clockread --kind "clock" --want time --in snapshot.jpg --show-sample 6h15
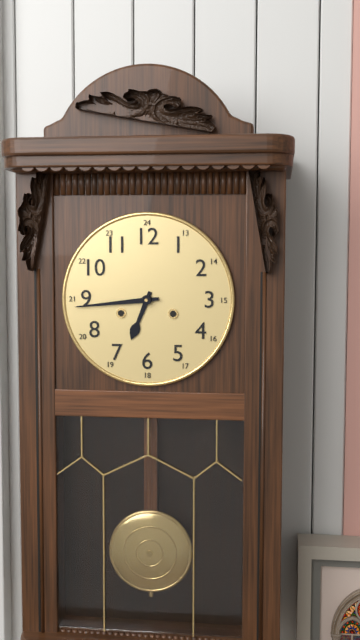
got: 6h44
